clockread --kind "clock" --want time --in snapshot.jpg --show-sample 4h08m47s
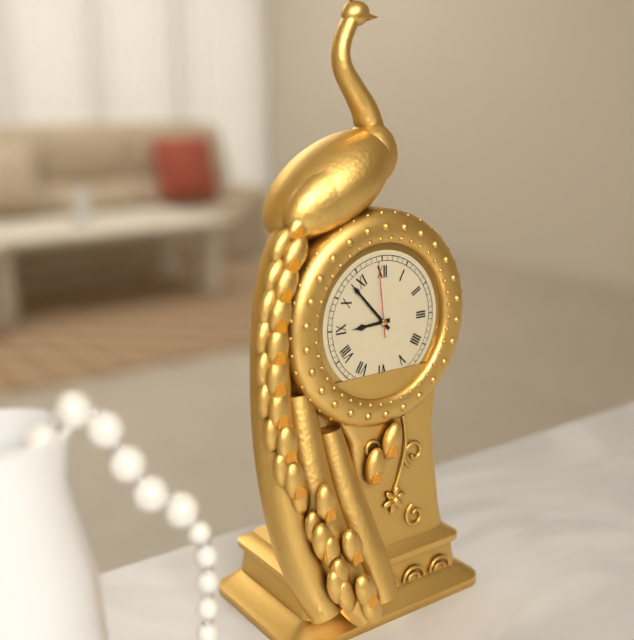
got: 8h53m59s
